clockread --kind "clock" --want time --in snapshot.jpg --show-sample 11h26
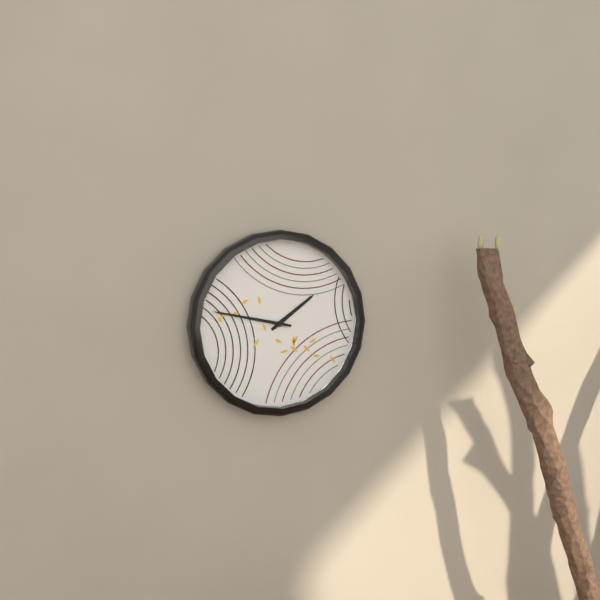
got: 1h47
